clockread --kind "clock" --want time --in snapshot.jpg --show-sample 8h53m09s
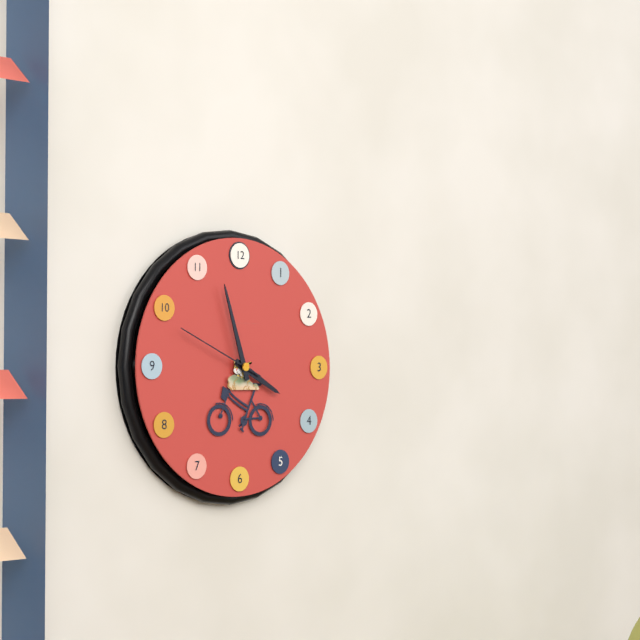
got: 3h57m49s
